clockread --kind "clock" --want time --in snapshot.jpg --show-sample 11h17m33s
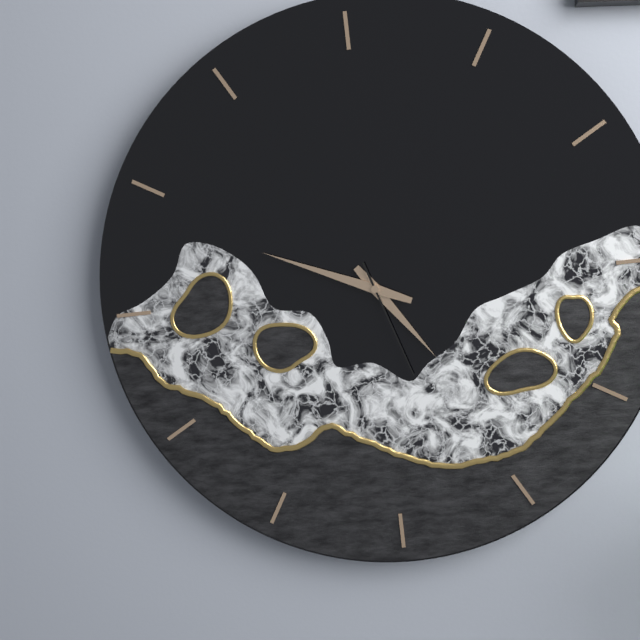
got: 4h49m27s
